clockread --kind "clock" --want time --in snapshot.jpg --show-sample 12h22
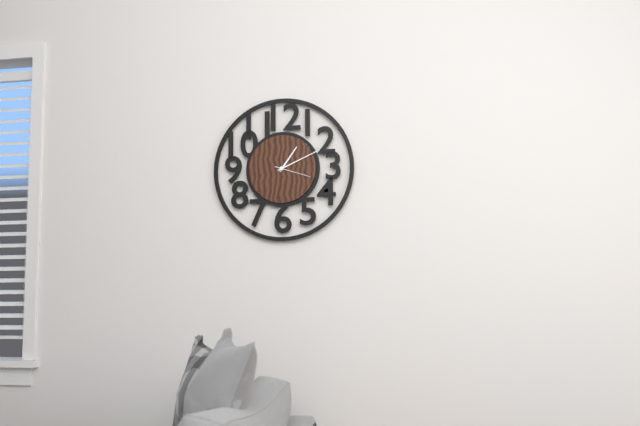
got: 1h11
